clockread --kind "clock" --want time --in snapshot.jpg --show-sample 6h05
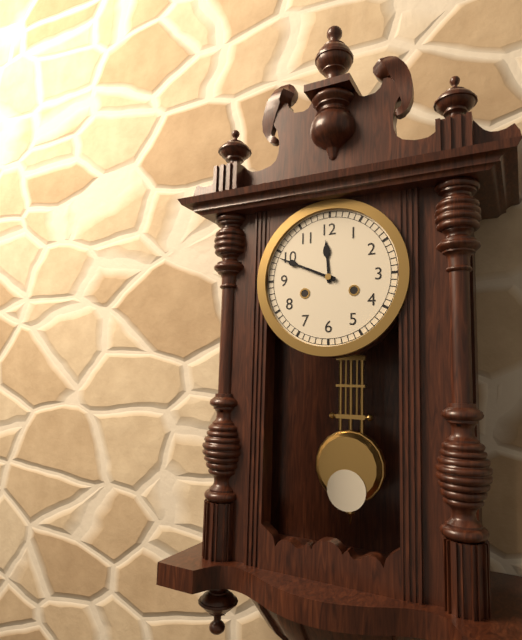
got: 11h49
